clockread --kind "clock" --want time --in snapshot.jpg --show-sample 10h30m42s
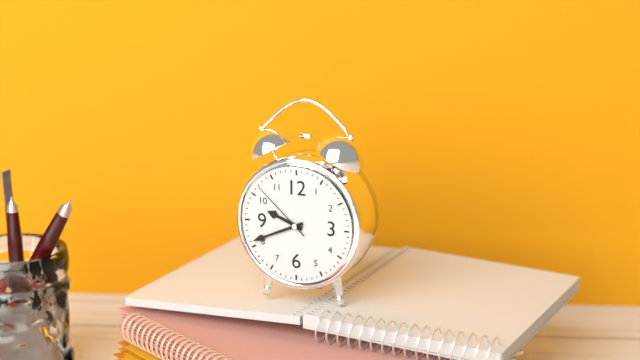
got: 9h41m52s
